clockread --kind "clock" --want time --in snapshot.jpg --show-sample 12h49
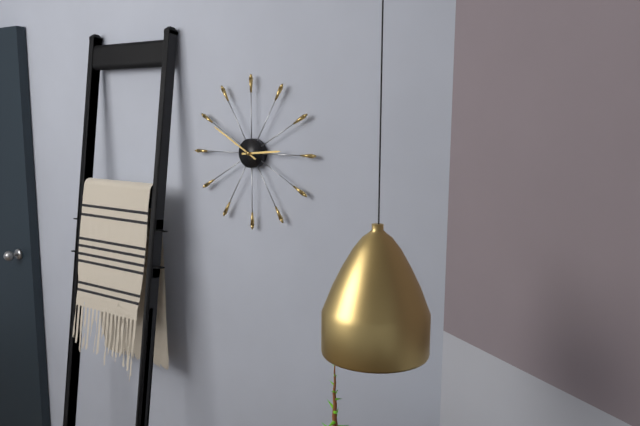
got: 2h50
